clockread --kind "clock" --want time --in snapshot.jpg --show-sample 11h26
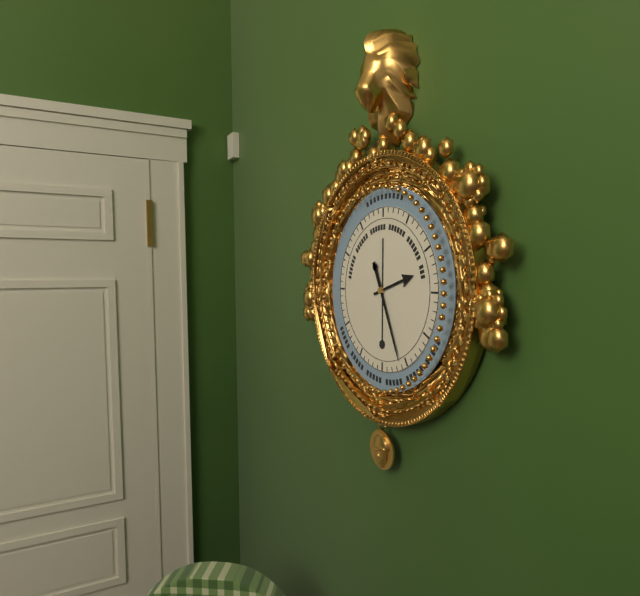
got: 2h26
